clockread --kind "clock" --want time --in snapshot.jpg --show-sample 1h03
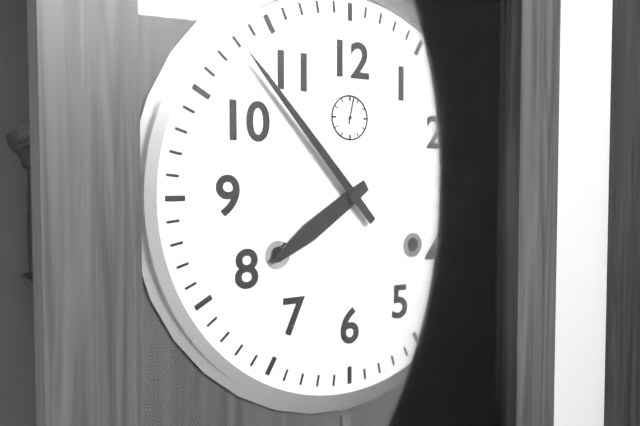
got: 7h53
